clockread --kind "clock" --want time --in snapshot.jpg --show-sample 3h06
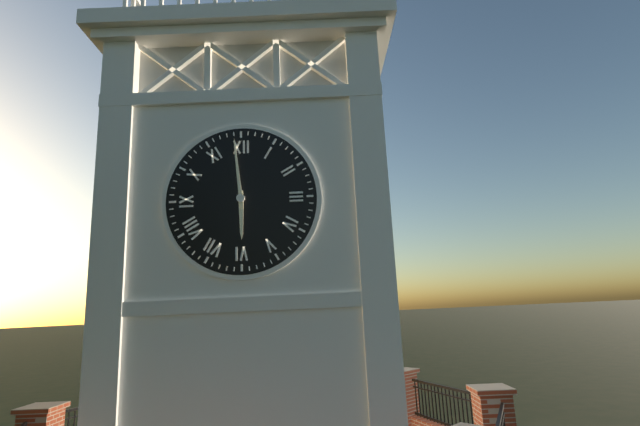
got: 5h59
